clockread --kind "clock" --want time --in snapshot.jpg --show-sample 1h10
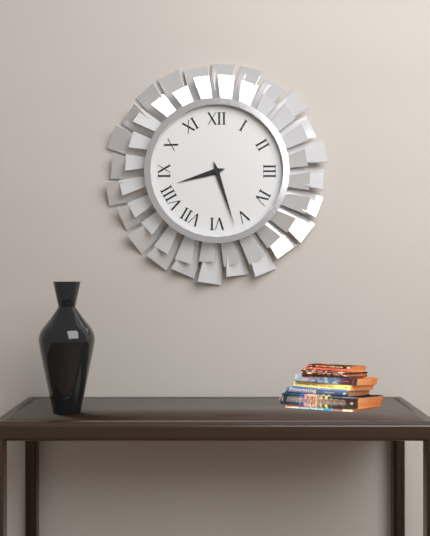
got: 8h27
